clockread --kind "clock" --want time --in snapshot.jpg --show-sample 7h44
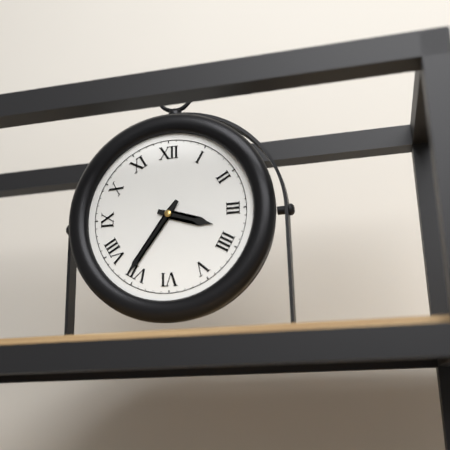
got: 3h36
